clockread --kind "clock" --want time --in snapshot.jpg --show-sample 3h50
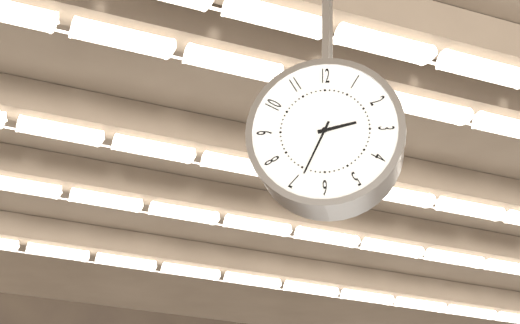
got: 2h34
